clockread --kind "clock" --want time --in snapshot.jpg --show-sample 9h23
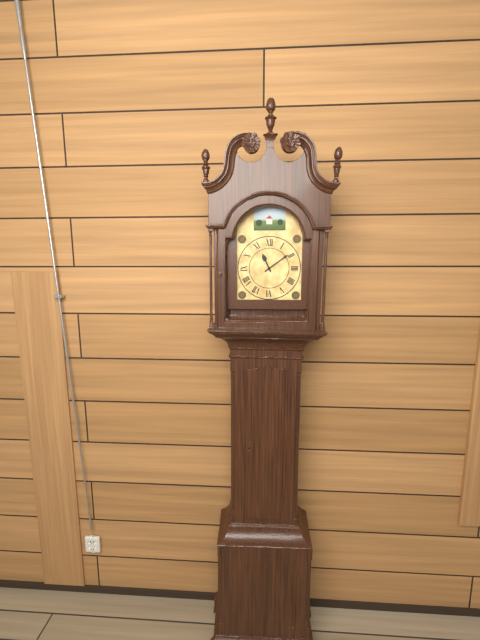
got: 11h09
